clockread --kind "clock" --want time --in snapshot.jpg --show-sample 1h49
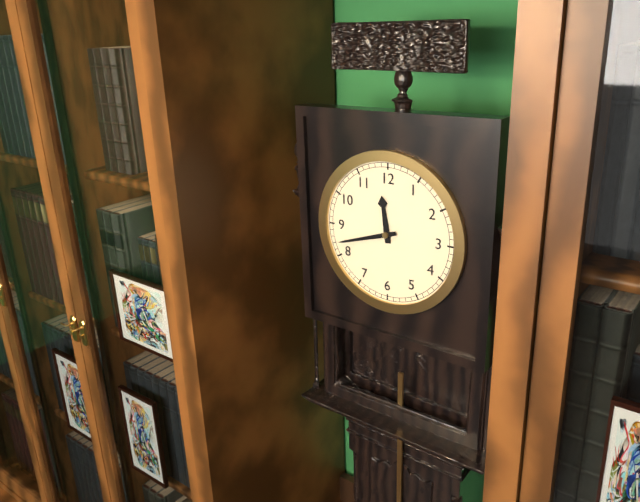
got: 11h42
